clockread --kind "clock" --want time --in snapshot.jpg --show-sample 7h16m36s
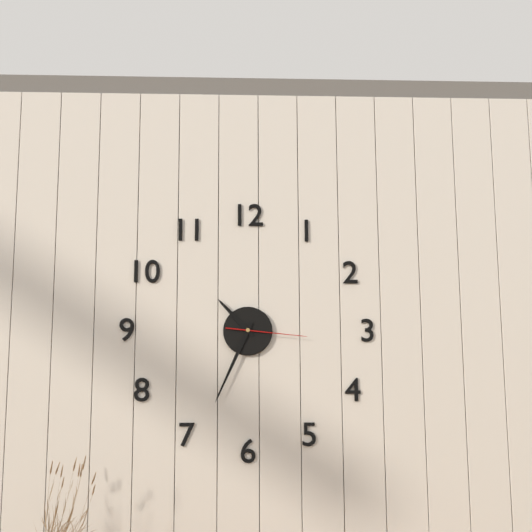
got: 10h34m16s
